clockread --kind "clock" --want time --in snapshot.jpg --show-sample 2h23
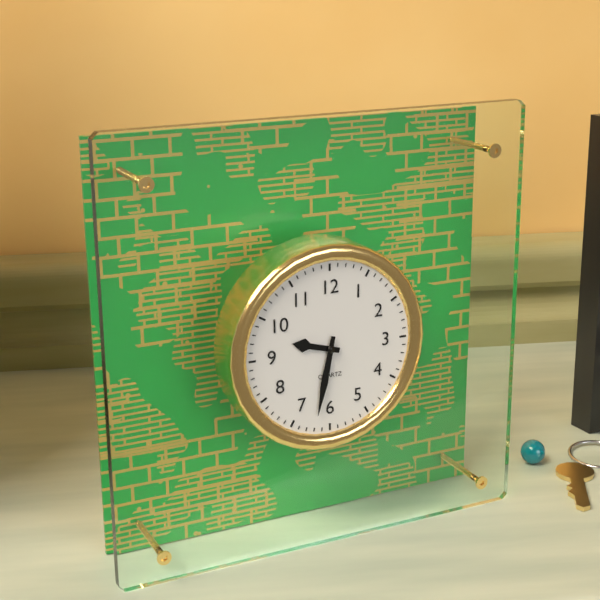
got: 9h32
